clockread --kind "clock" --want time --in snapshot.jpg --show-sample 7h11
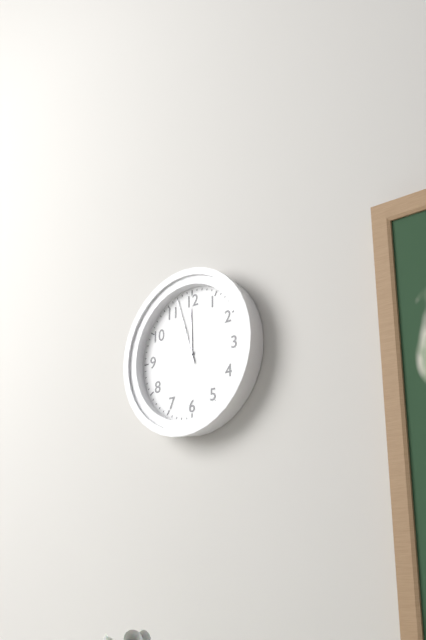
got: 11h57
